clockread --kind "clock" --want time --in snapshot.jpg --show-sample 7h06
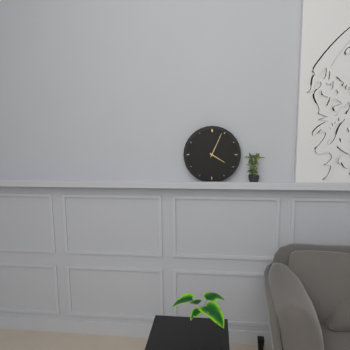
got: 4h04
